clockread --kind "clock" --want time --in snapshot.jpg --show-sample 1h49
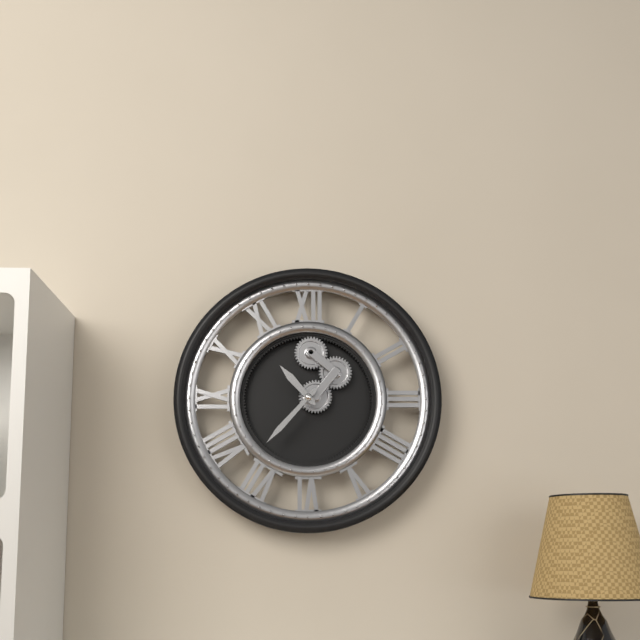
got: 10h37
